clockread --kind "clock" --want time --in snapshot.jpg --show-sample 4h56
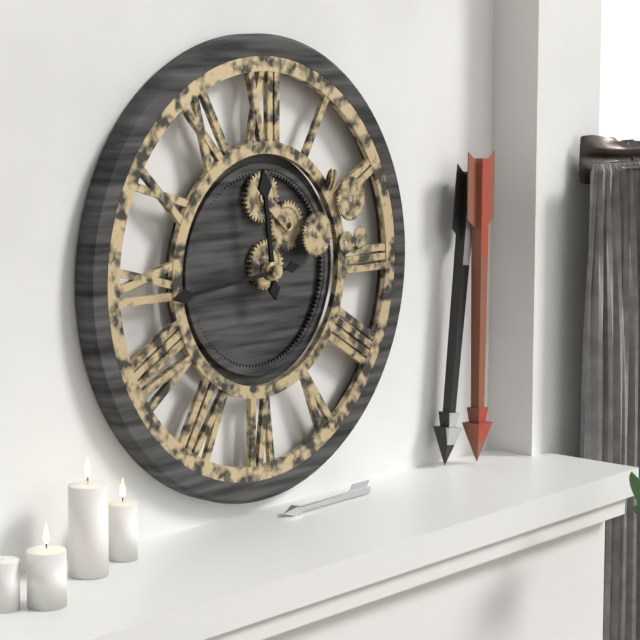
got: 11h44
